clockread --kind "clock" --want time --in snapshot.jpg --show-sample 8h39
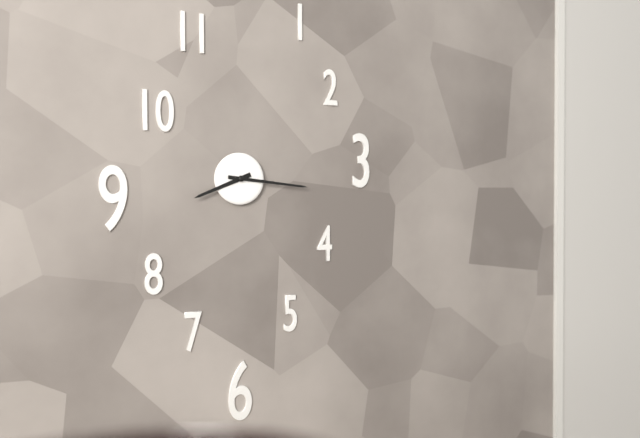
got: 8h16
